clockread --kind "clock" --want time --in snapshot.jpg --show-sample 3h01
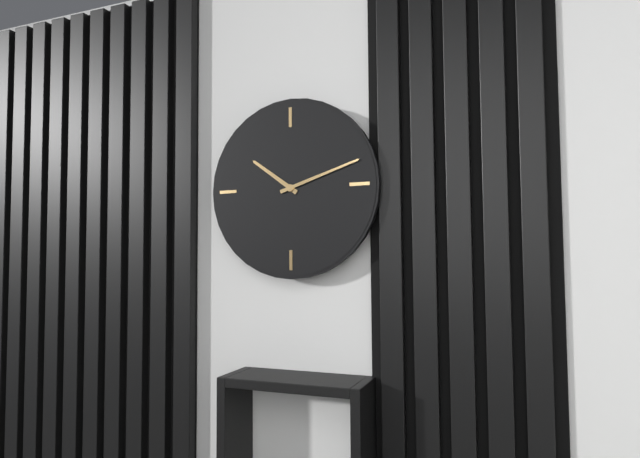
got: 10h12
